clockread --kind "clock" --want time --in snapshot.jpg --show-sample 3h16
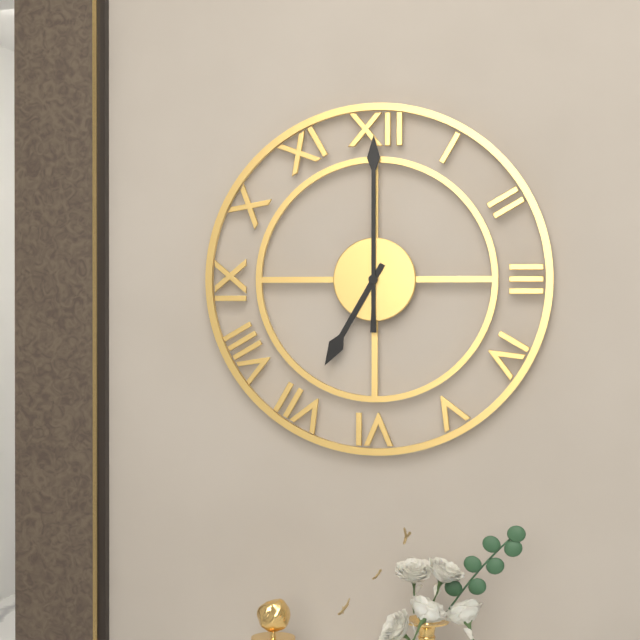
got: 7h00
